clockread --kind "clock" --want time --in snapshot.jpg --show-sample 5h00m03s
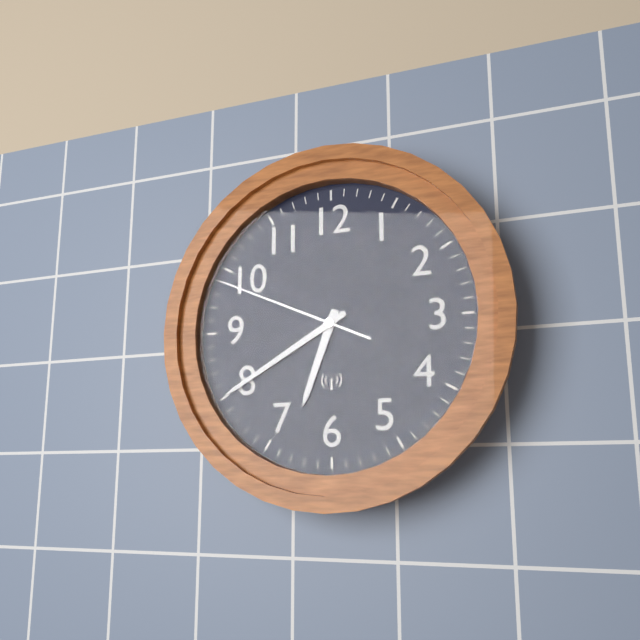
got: 6h40m49s
